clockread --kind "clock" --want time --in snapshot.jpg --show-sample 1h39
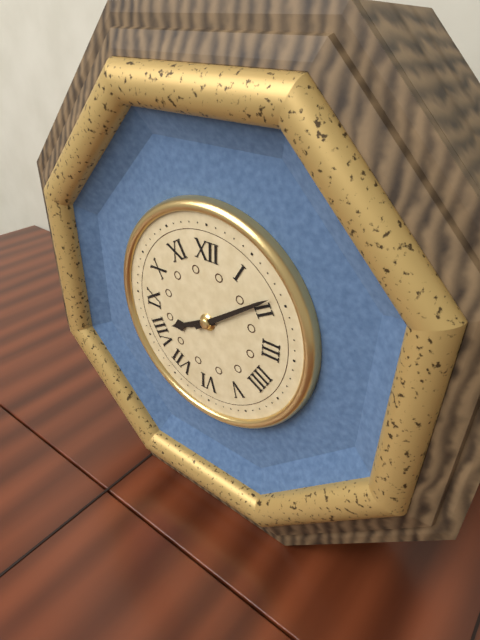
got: 8h09
